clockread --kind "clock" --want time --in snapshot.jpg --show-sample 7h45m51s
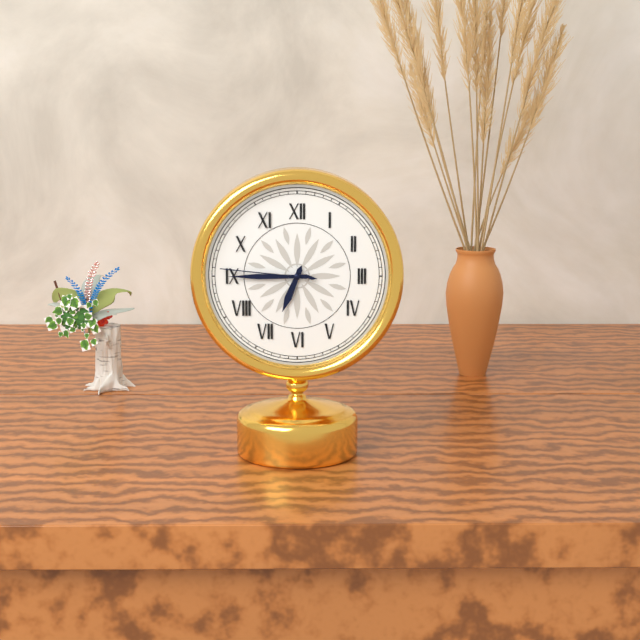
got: 6h45m46s
